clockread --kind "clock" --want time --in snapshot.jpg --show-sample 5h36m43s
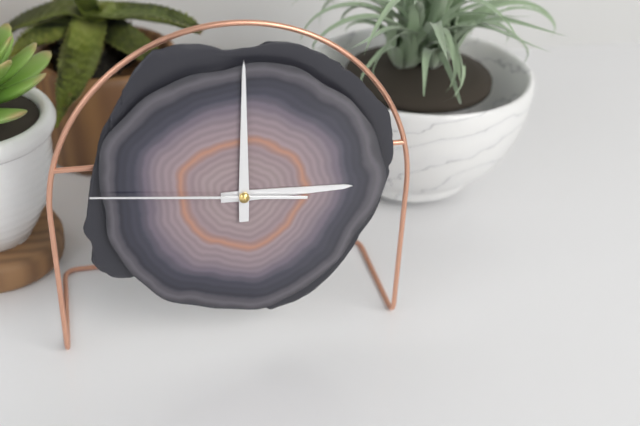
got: 3h00m46s
